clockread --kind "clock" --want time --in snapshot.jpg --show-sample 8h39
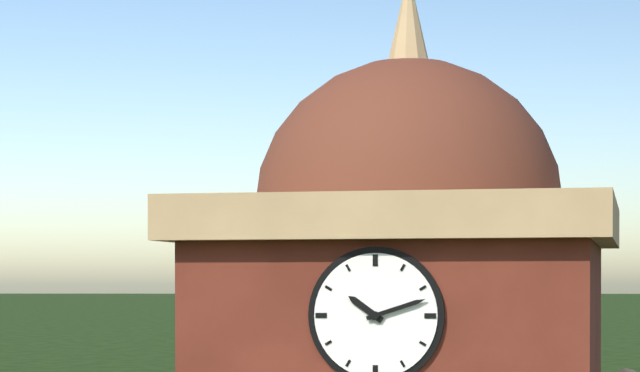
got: 10h12
